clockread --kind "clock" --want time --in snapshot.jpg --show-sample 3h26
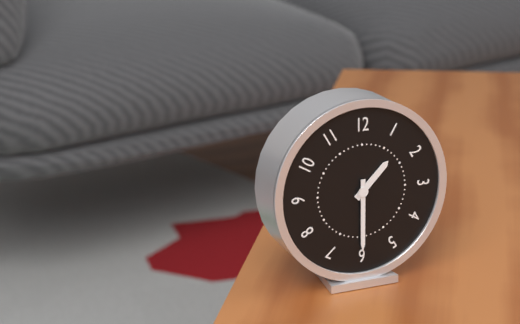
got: 1h30
